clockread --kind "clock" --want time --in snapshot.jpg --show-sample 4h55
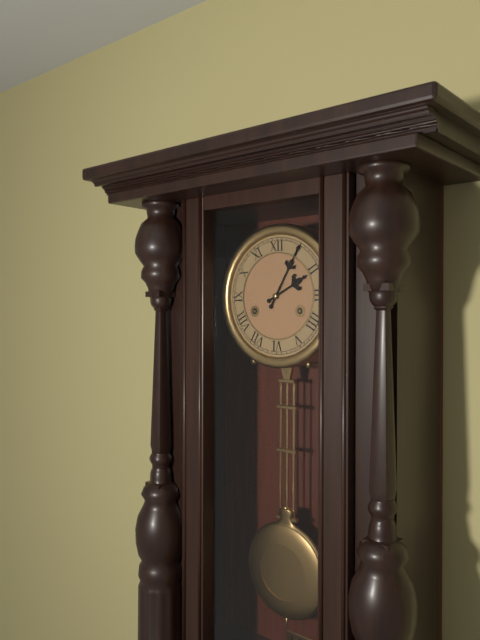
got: 2h05
